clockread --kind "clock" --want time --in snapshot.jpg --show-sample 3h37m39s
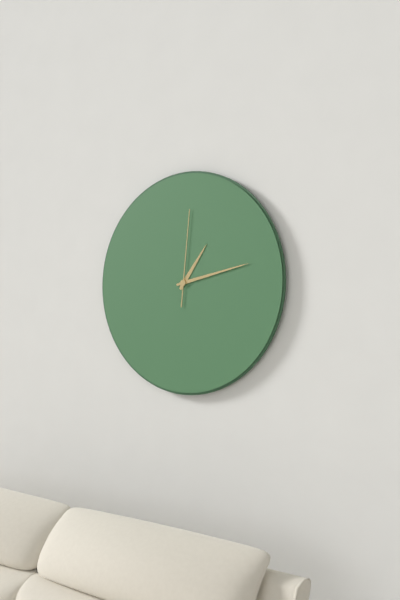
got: 1h13m01s
